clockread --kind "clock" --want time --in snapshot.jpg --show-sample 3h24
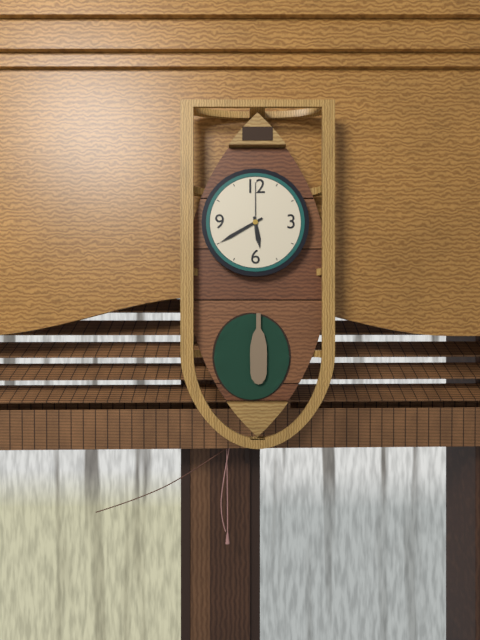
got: 5h40
